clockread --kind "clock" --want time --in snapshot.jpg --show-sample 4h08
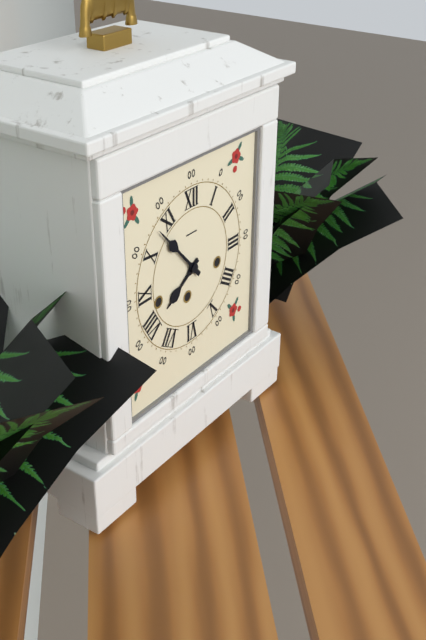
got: 7h53
